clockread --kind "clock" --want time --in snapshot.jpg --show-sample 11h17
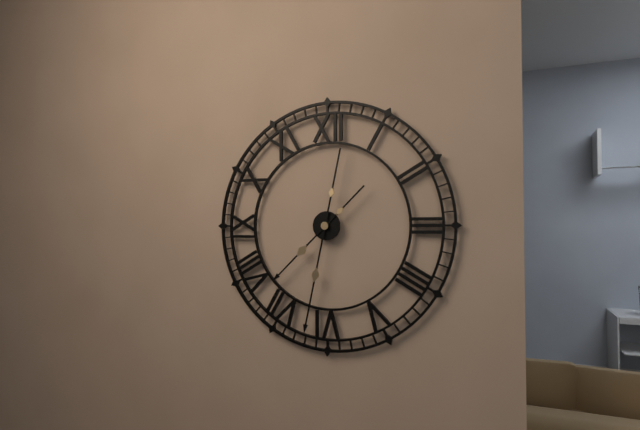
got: 7h32
